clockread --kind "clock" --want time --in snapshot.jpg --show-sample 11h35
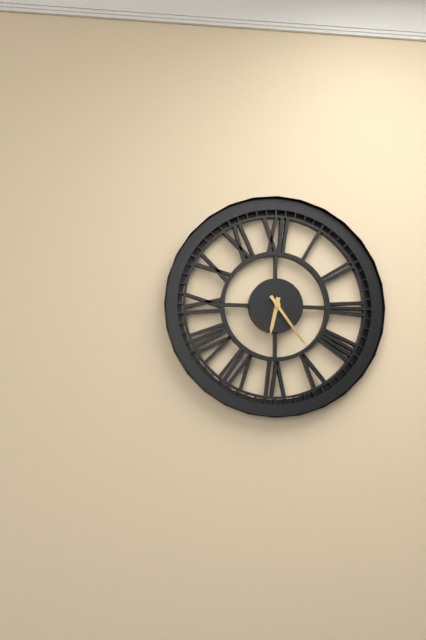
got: 6h24
